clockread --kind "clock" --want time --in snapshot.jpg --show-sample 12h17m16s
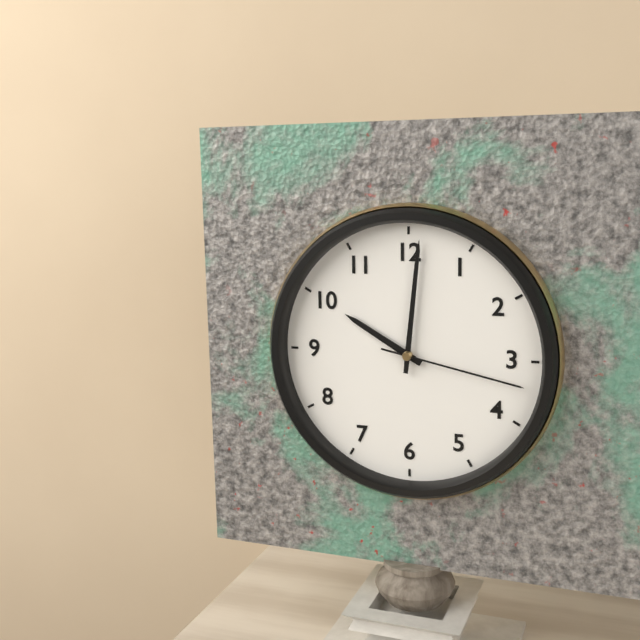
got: 10h01m17s
